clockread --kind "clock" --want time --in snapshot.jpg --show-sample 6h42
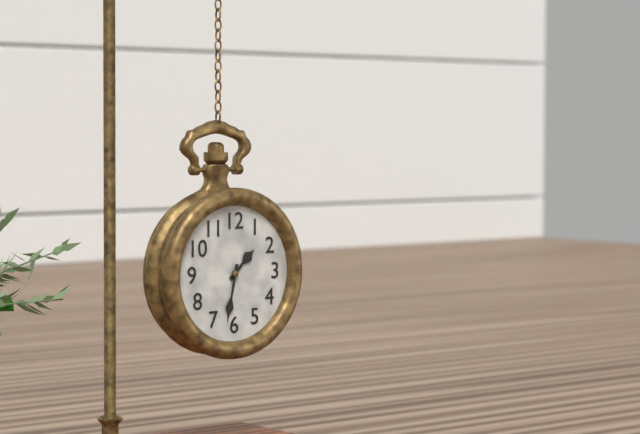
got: 1h32
